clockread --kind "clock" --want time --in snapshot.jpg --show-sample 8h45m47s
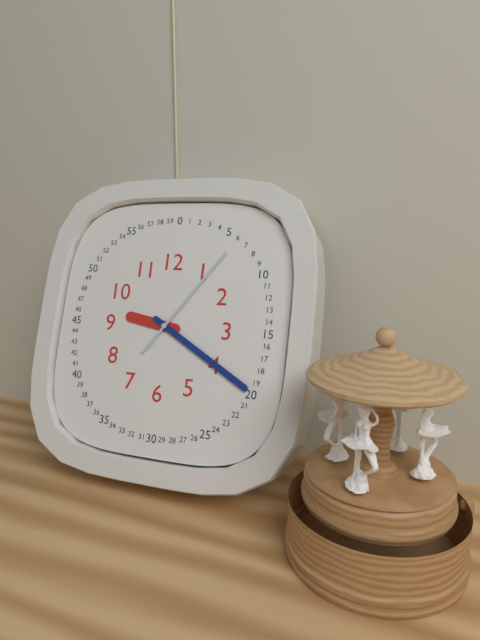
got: 9h20m06s
